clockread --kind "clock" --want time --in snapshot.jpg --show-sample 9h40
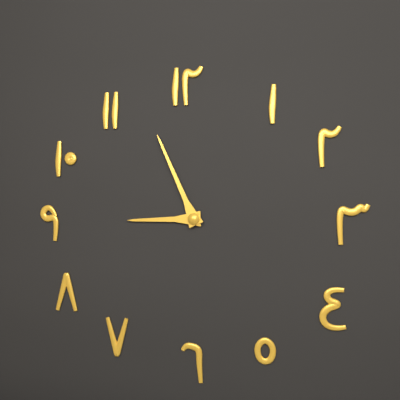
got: 8h56
